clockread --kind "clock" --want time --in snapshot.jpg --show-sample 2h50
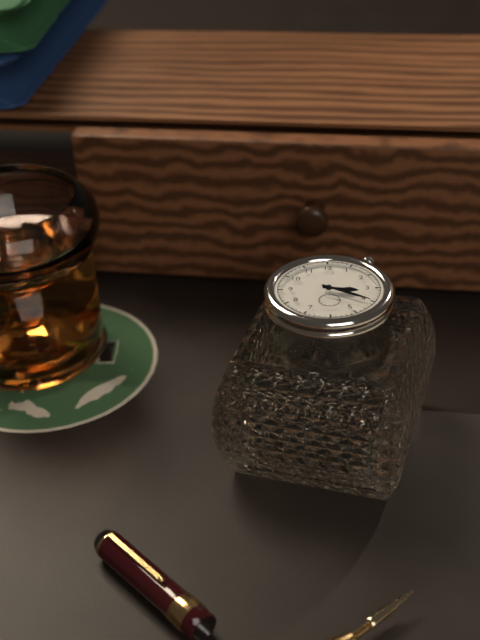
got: 3h20
